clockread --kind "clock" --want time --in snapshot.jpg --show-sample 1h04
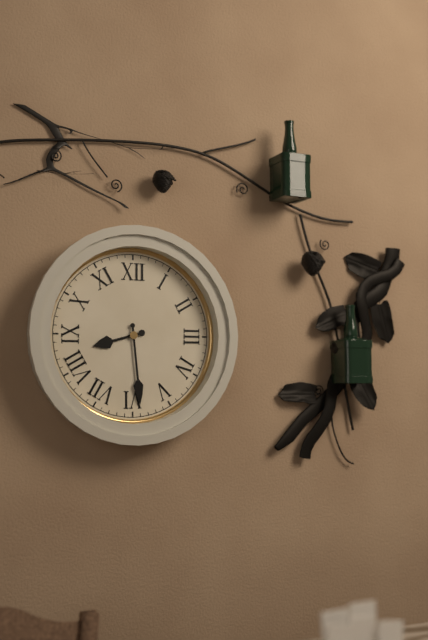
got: 8h29
